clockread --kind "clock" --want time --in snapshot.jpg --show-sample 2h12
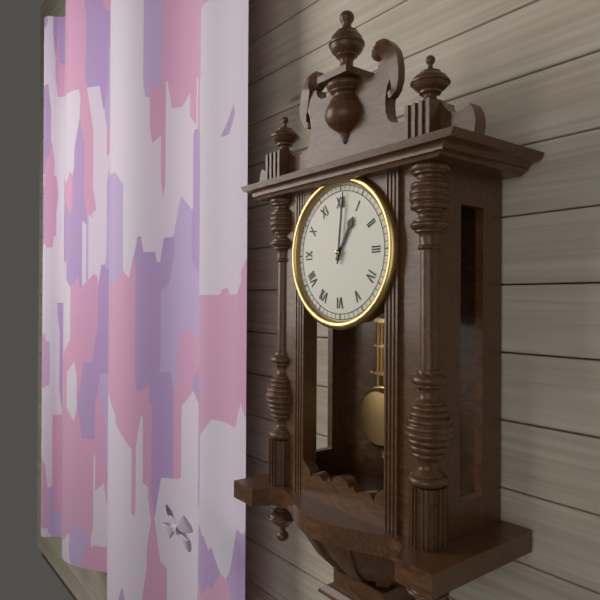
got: 1h01
